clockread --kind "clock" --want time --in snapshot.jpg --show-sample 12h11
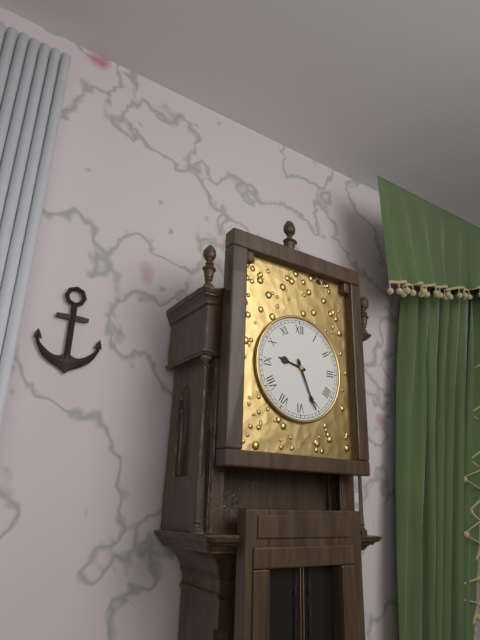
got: 9h26
